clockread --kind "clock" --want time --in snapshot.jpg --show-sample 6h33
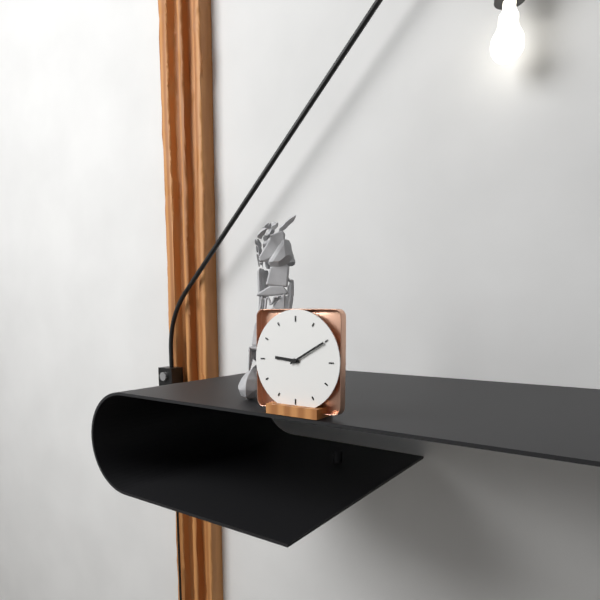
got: 9h10
